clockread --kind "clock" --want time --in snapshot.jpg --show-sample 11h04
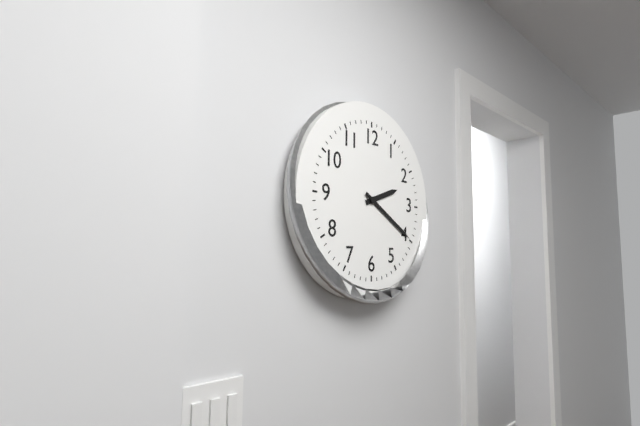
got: 2h20
